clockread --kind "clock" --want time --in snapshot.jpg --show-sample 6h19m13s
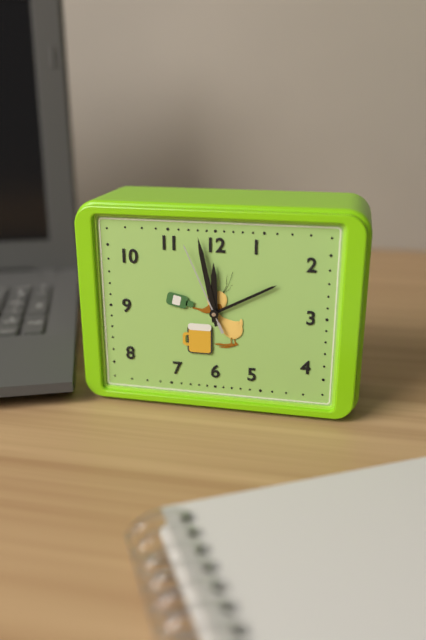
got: 11h58m56s
